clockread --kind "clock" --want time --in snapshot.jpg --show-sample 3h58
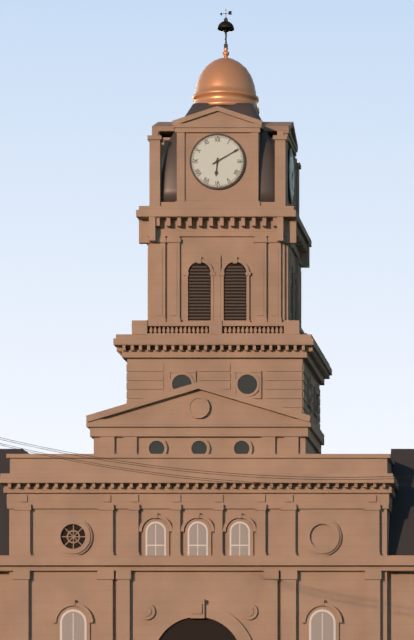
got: 6h10
